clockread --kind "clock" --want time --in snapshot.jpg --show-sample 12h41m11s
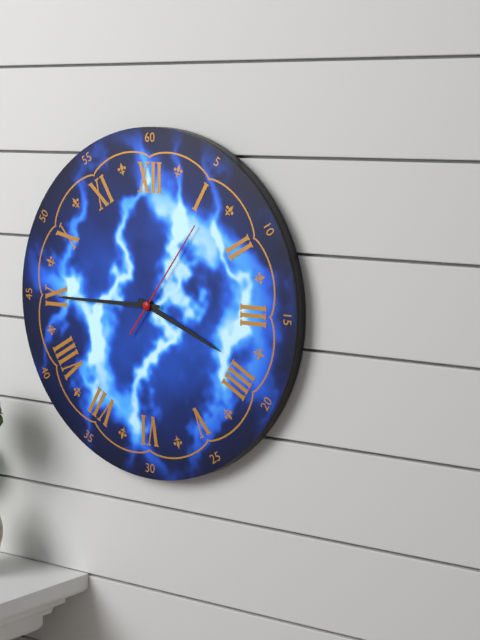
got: 3h45m06s
